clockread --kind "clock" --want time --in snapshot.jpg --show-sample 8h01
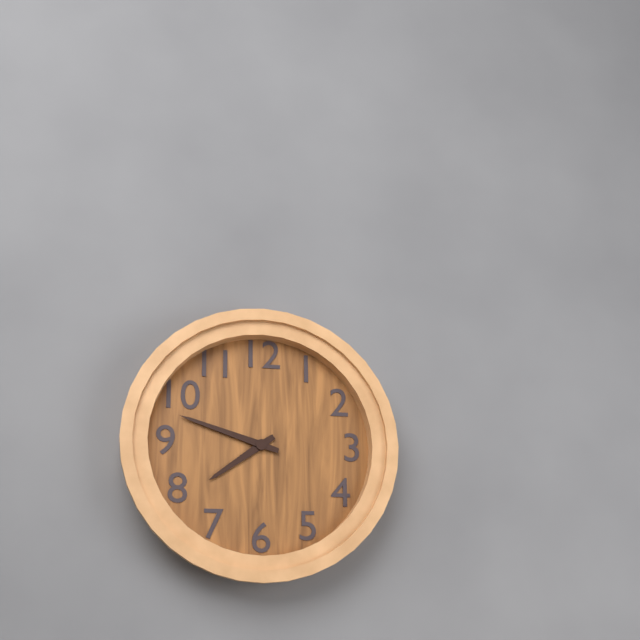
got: 7h48
